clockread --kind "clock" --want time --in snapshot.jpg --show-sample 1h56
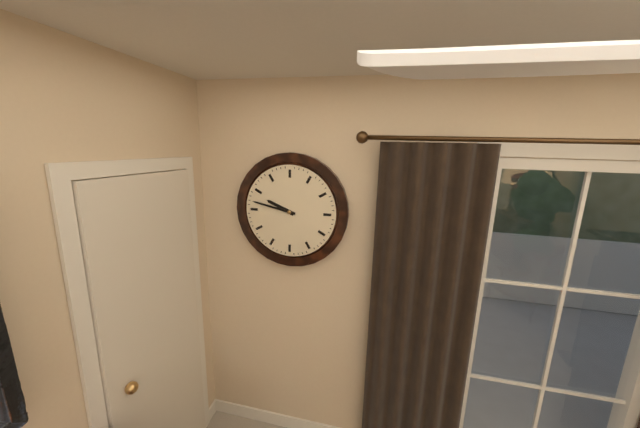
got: 9h47
